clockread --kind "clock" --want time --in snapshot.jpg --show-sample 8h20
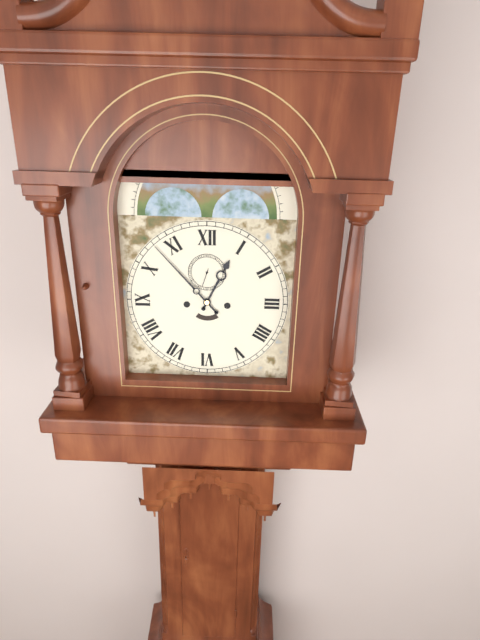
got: 12h53
